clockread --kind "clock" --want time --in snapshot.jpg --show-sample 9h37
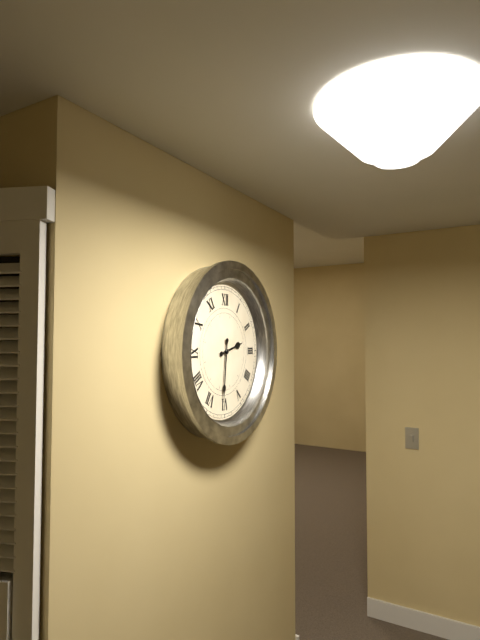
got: 2h31
